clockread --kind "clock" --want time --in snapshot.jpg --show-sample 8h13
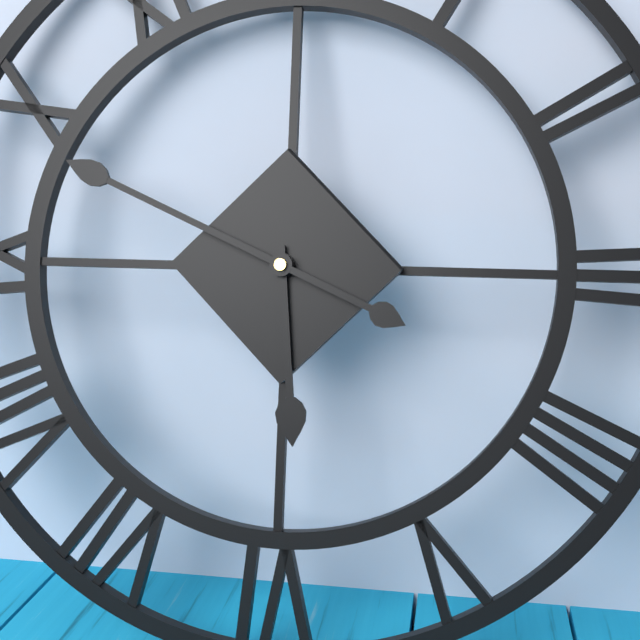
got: 5h49
